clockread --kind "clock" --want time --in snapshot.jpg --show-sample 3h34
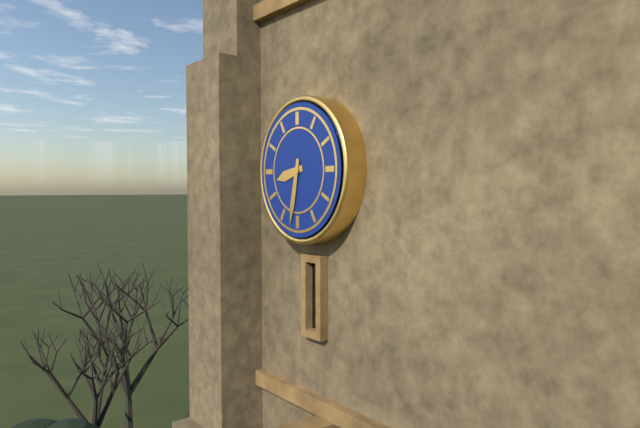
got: 8h32
